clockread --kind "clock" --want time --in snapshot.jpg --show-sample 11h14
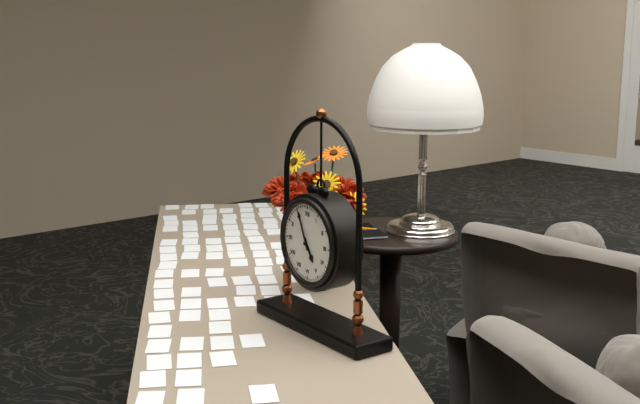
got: 4h56
